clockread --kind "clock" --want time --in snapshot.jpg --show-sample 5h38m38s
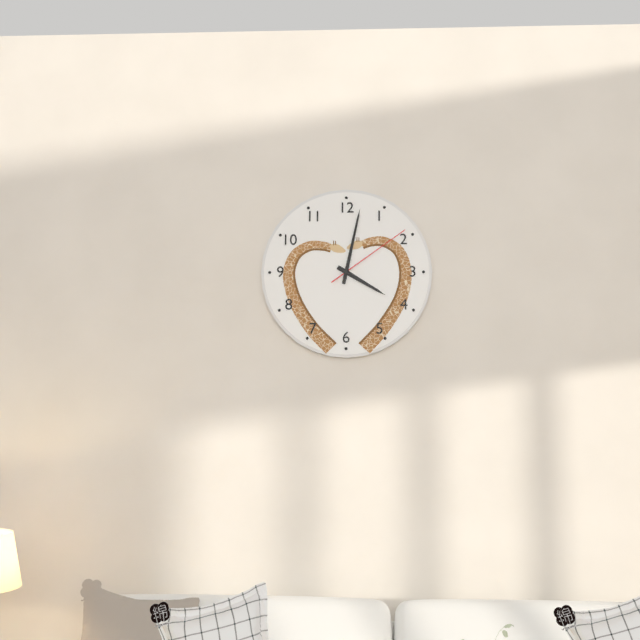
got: 4h02m09s
